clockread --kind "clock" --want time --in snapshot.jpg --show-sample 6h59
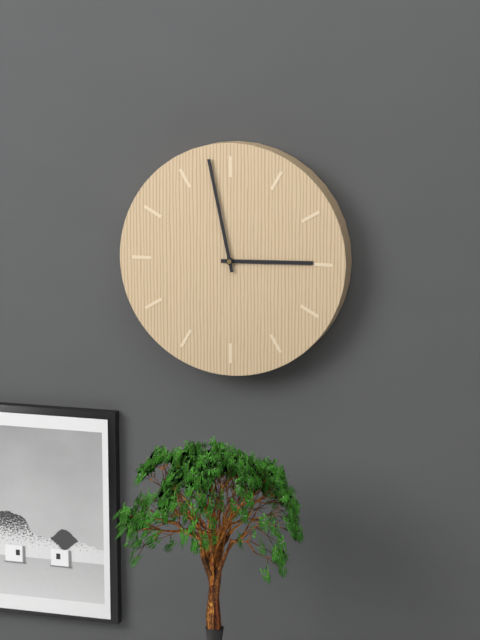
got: 2h58
